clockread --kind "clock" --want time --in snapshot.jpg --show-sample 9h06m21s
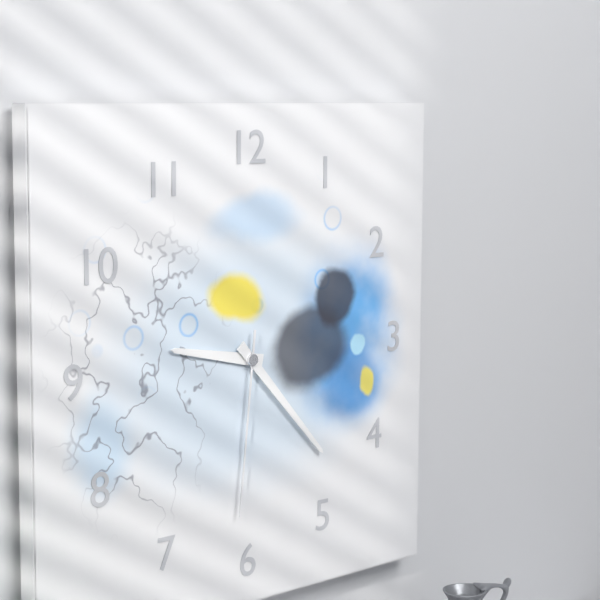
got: 9h23m31s
